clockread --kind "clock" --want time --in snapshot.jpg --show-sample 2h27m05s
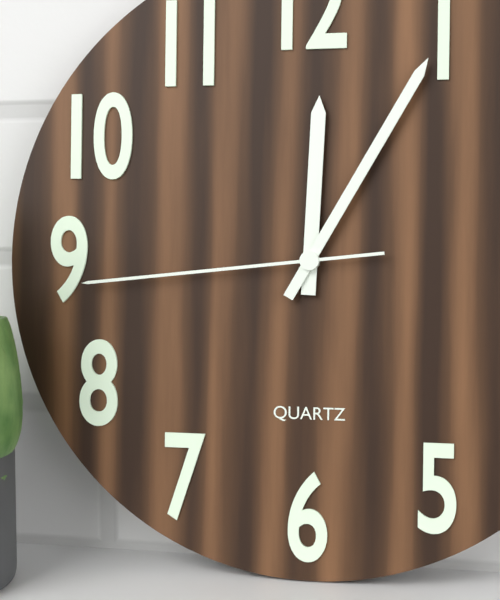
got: 12h05m44s
